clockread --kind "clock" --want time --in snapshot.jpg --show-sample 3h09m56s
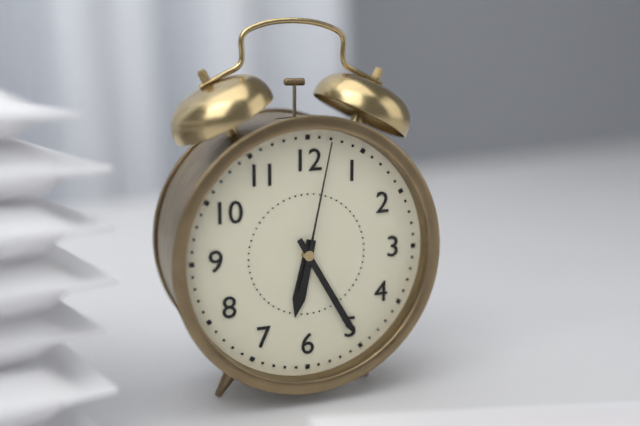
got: 6h25m02s
